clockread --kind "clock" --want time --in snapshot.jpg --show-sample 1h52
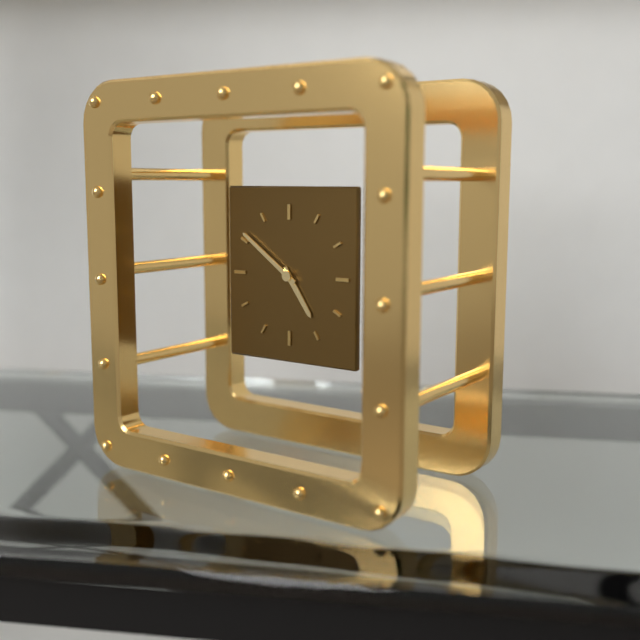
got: 4h51
